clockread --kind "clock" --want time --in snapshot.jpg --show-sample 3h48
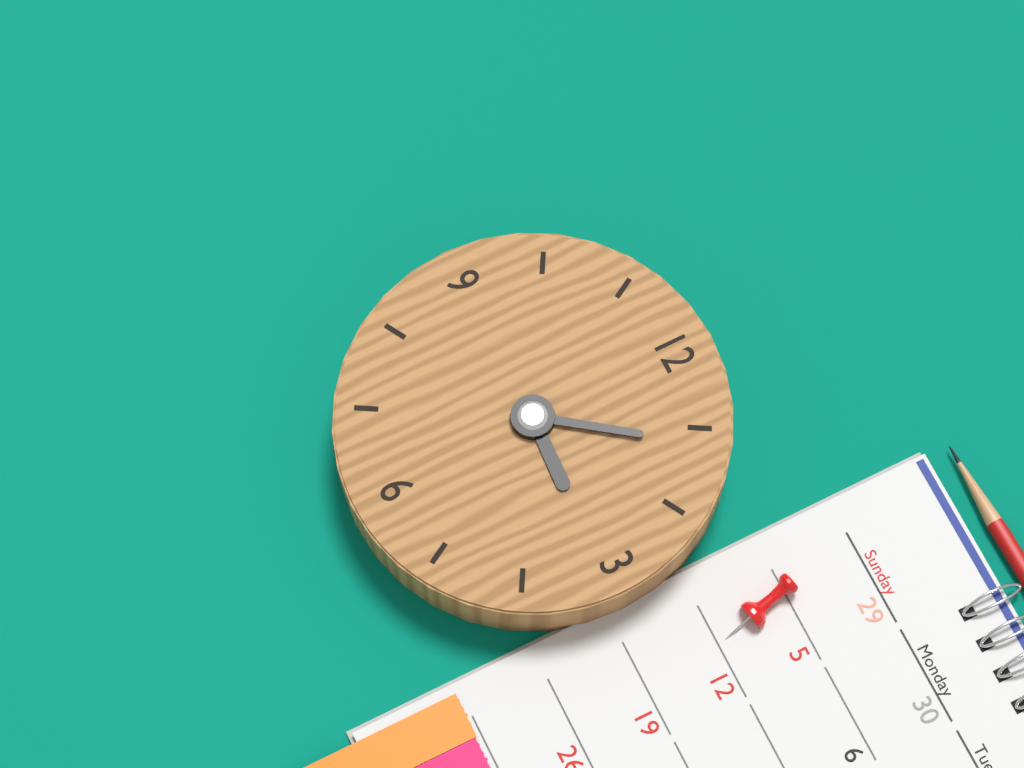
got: 3h06
